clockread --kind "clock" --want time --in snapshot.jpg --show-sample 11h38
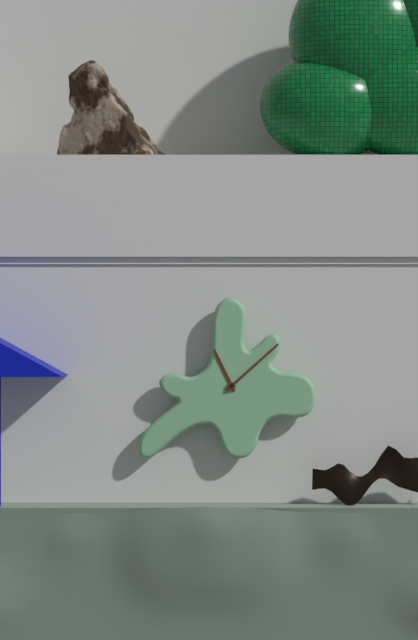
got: 11h08
